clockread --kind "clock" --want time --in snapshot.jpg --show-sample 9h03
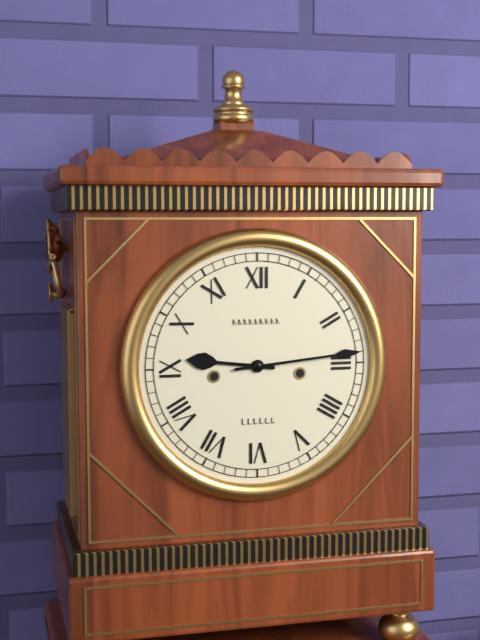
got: 9h14
